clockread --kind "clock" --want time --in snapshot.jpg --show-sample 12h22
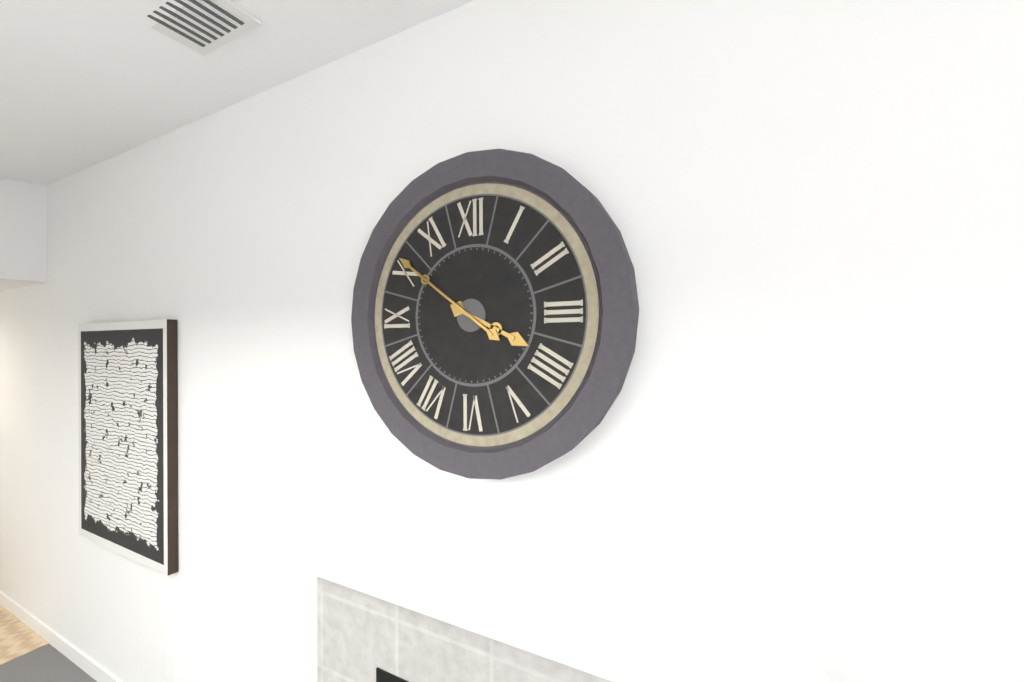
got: 3h51
